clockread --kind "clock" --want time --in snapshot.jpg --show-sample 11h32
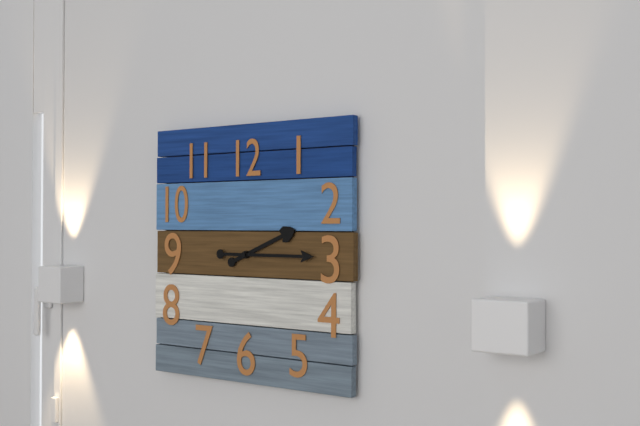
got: 2h15
